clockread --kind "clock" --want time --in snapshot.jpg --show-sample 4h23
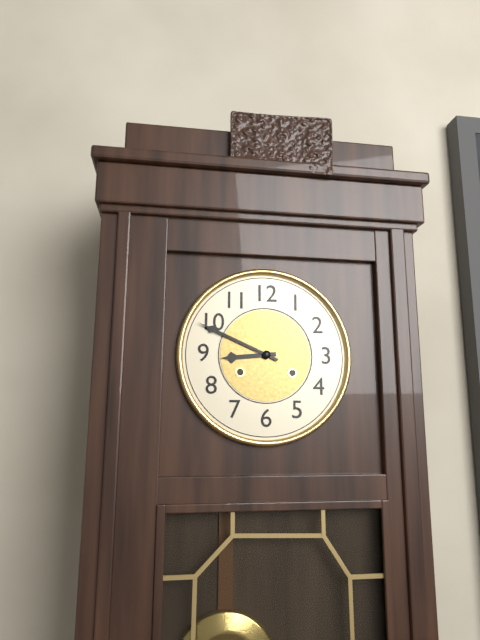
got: 8h49
